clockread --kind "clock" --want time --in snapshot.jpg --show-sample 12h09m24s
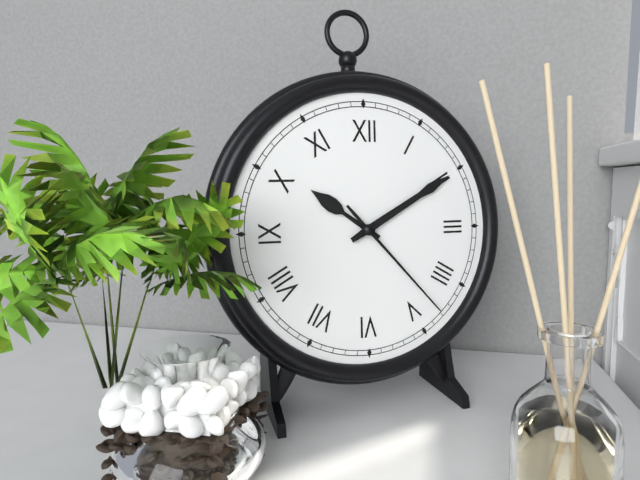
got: 10h10m23s
